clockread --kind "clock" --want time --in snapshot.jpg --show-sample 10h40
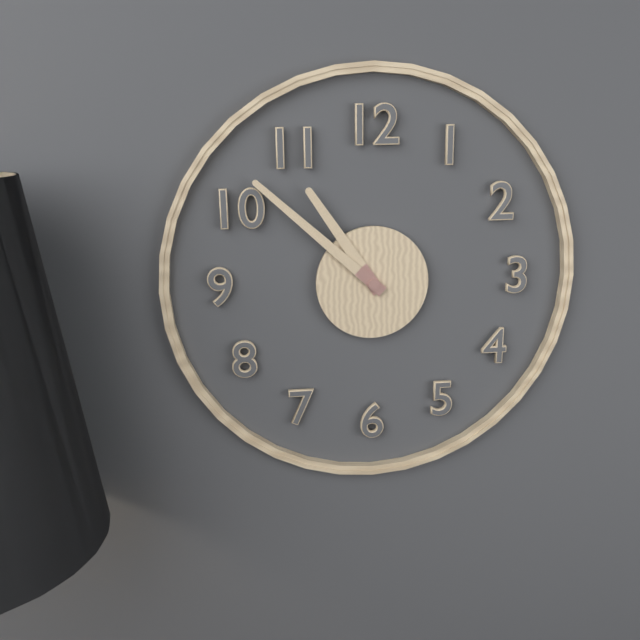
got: 10h52
